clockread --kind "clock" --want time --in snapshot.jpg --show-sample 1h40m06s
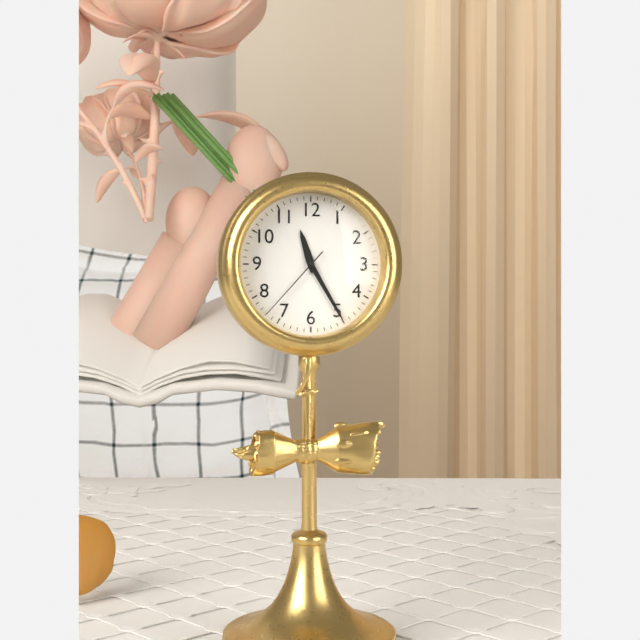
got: 11h25m37s
